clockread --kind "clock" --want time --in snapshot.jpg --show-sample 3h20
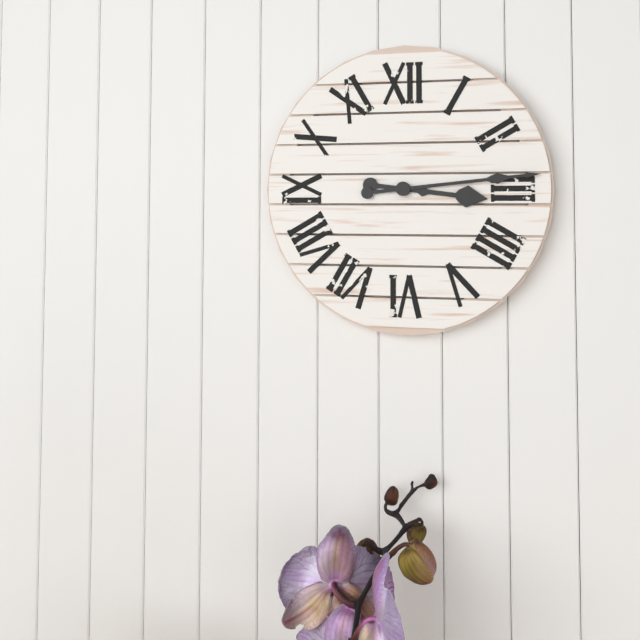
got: 3h14
